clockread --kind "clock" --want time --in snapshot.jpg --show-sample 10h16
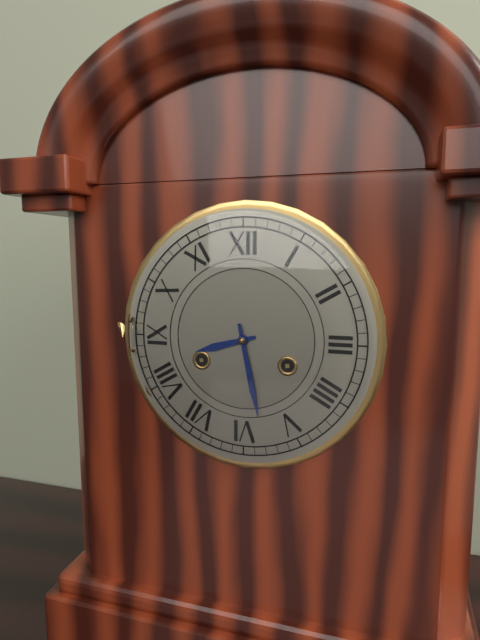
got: 8h28
